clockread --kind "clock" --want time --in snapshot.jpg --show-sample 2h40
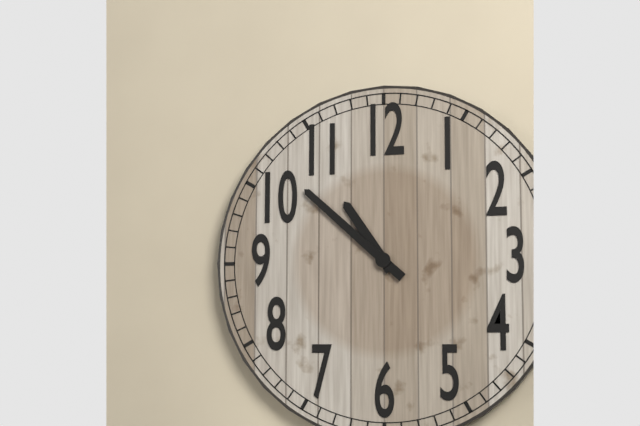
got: 10h52
